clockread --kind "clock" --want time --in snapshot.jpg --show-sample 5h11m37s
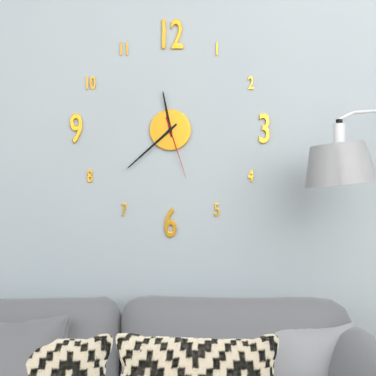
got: 11h38m27s
